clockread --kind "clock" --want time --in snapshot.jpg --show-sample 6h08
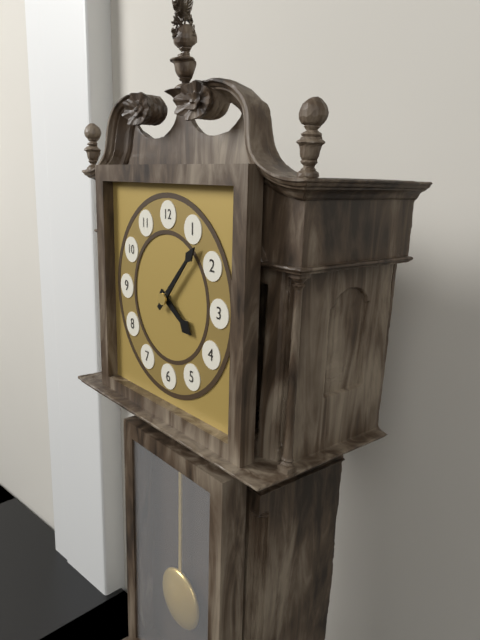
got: 4h07
